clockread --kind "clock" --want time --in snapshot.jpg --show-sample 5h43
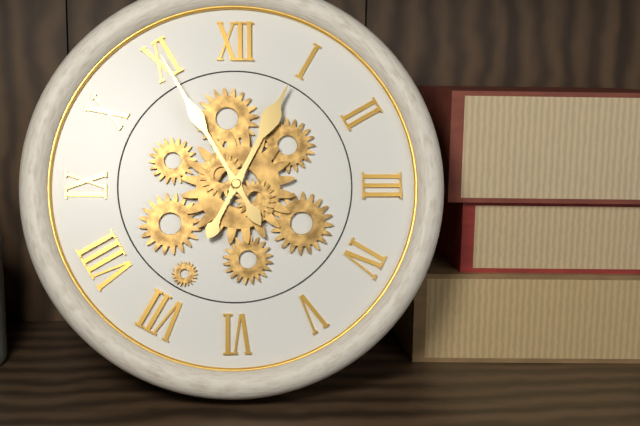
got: 12h55
